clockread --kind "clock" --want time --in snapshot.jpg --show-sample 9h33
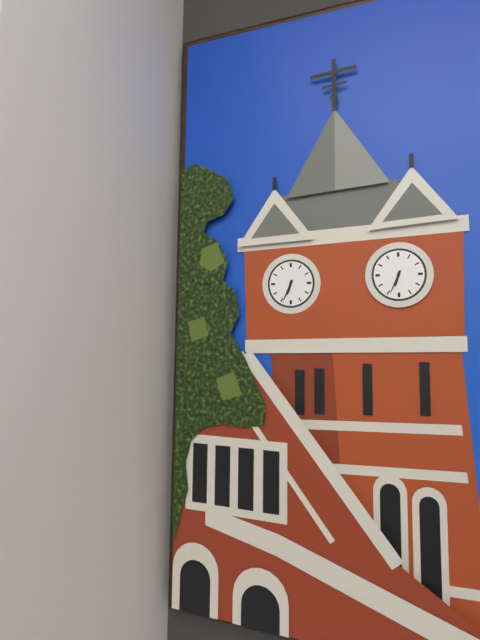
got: 6h34
